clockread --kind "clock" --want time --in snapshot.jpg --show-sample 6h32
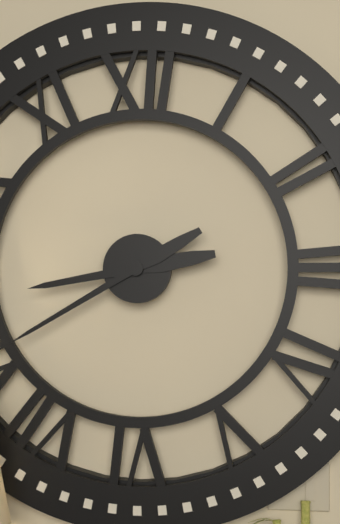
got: 8h40
